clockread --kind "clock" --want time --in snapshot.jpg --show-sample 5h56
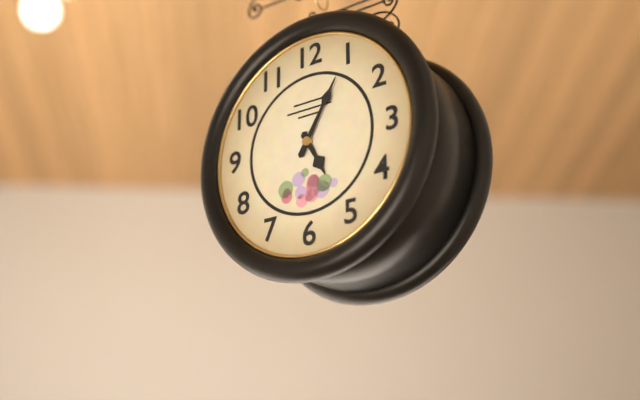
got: 5h05
